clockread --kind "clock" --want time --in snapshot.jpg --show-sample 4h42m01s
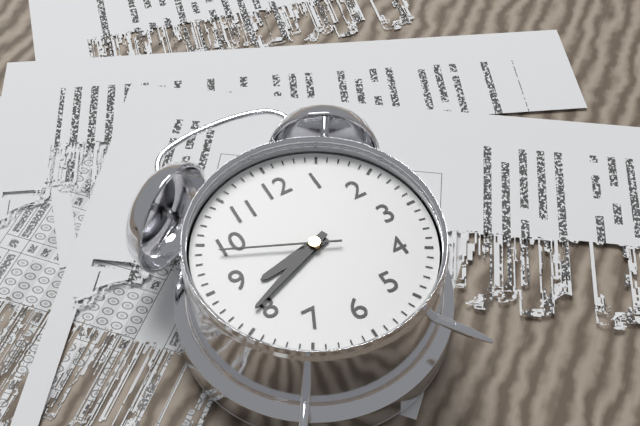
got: 8h41m49s
